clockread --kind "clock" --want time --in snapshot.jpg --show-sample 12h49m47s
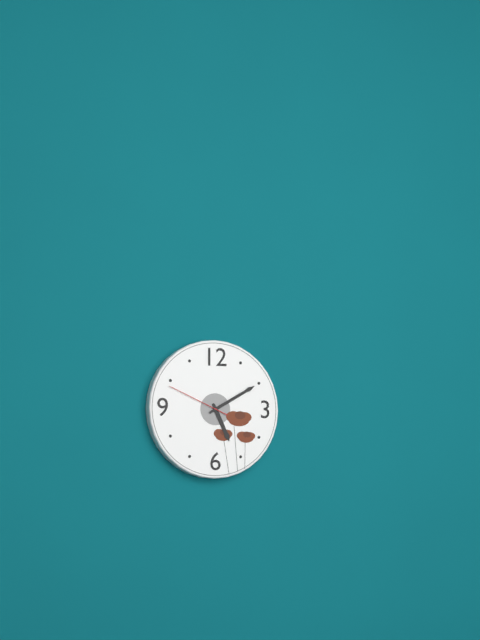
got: 5h10m49s
